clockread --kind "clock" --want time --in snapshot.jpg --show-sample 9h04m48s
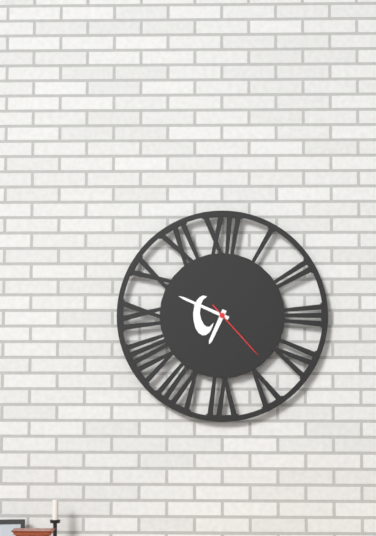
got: 6h49m23s
